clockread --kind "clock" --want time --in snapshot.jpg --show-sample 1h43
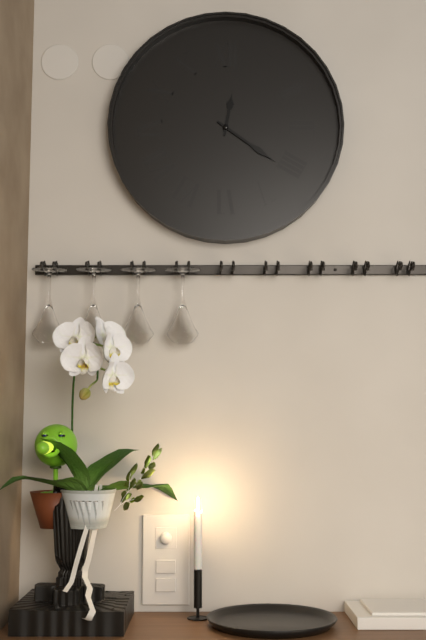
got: 12h21
